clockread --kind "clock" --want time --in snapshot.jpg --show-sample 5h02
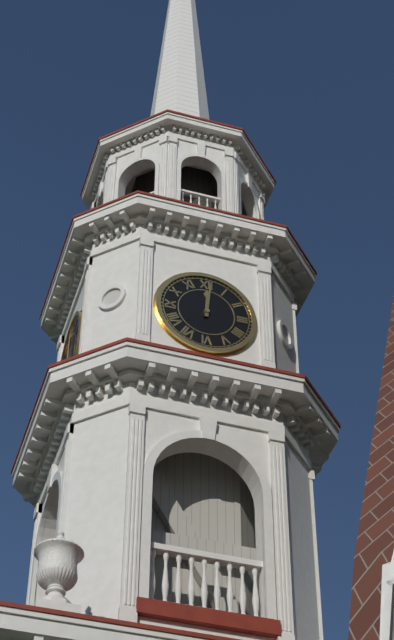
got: 12h01
